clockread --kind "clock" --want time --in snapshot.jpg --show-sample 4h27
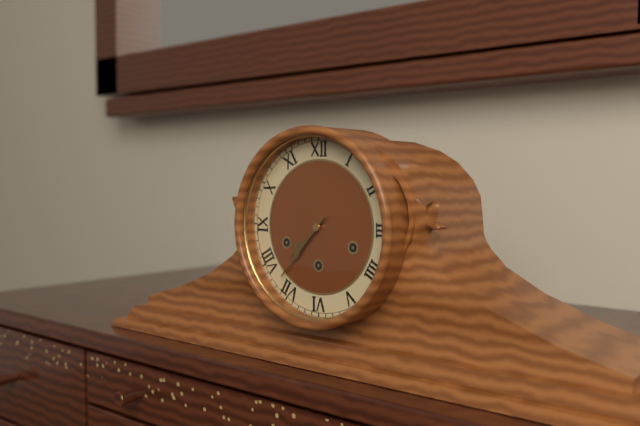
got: 7h37
